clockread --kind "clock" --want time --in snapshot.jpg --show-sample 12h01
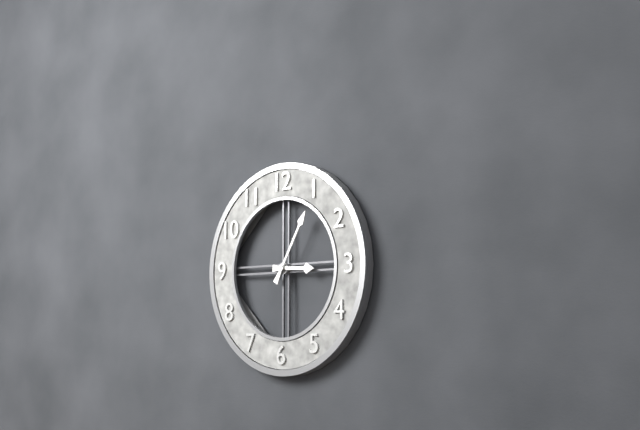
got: 3h05
